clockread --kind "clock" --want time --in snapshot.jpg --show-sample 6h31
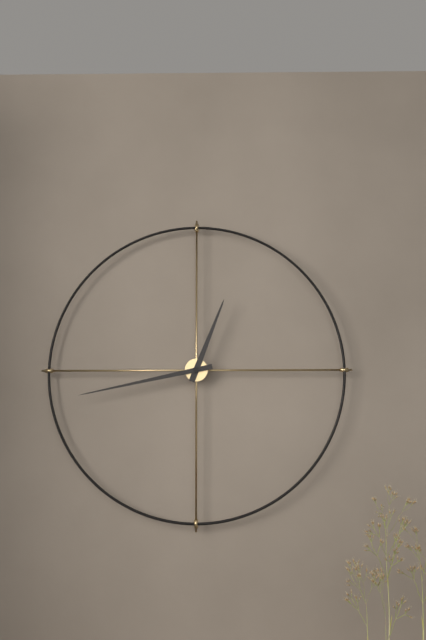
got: 12h43
